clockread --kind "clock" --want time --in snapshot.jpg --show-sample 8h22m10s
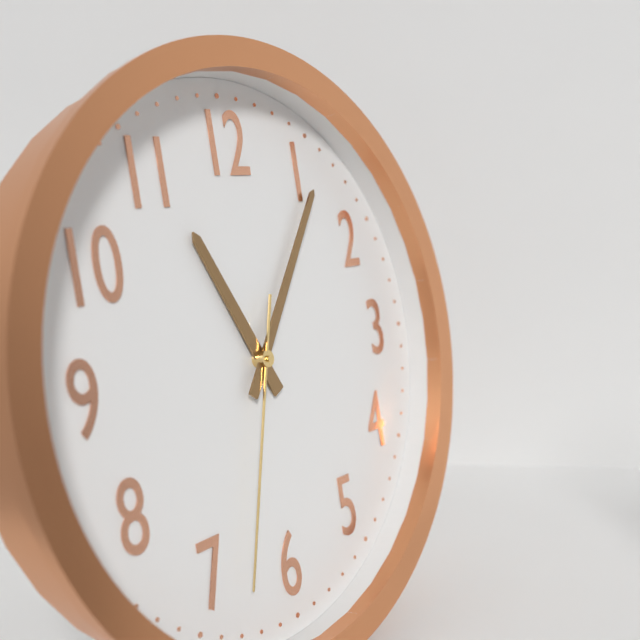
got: 11h06m33s
